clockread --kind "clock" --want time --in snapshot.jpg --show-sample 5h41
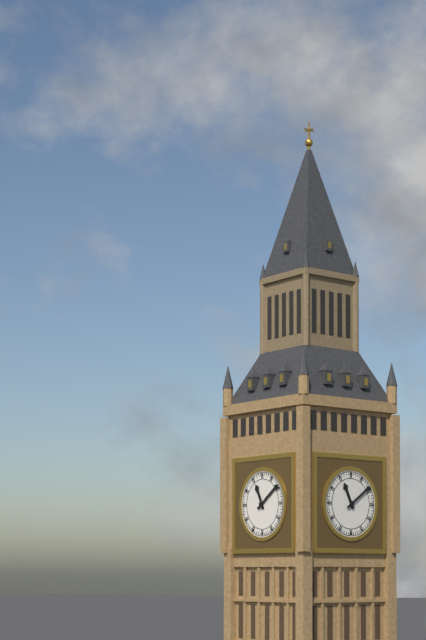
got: 11h09
